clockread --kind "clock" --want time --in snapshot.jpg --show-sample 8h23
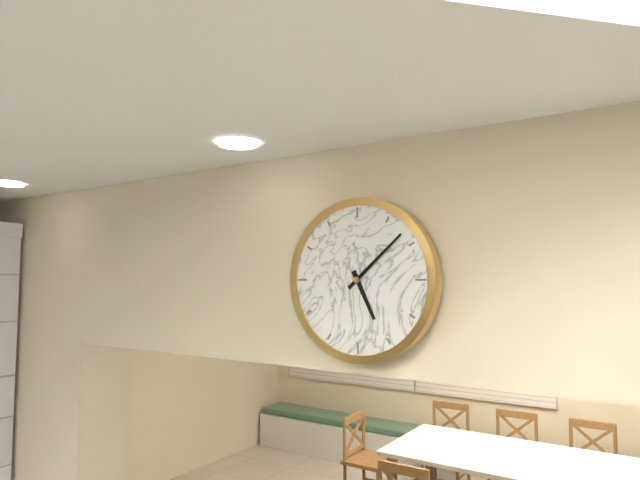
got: 5h08
